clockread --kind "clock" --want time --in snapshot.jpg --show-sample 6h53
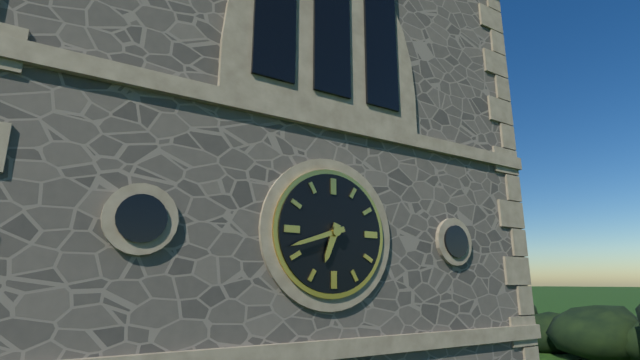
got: 6h42
